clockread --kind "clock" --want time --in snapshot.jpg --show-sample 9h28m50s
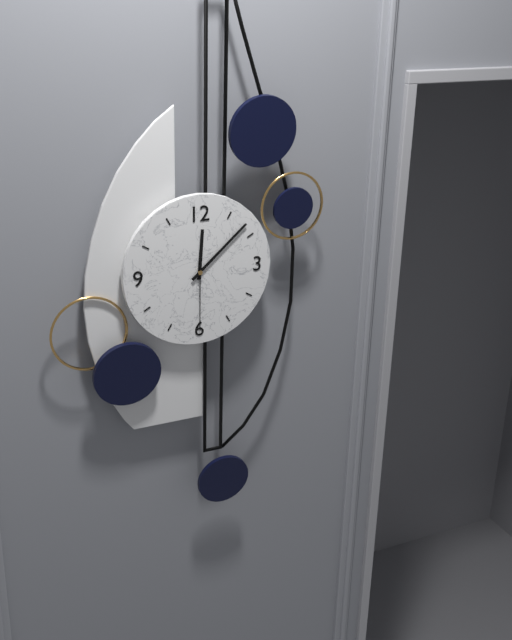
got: 12h08m30s
